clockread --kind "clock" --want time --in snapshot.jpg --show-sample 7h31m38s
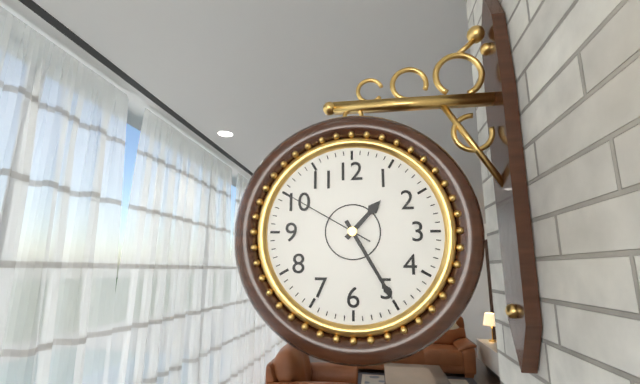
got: 1h25m50s
